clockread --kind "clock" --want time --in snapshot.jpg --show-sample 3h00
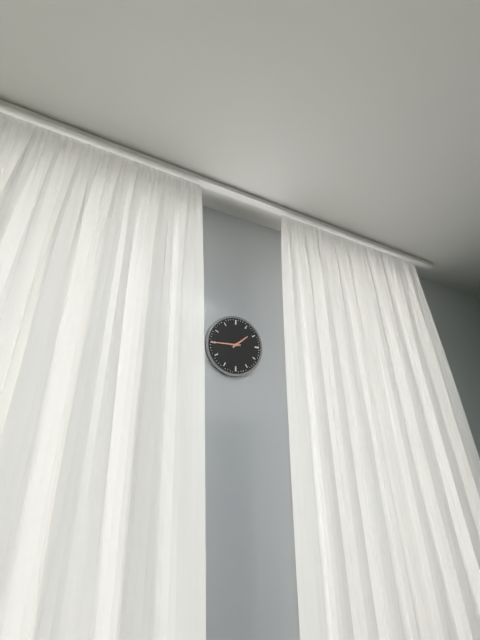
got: 1h45
